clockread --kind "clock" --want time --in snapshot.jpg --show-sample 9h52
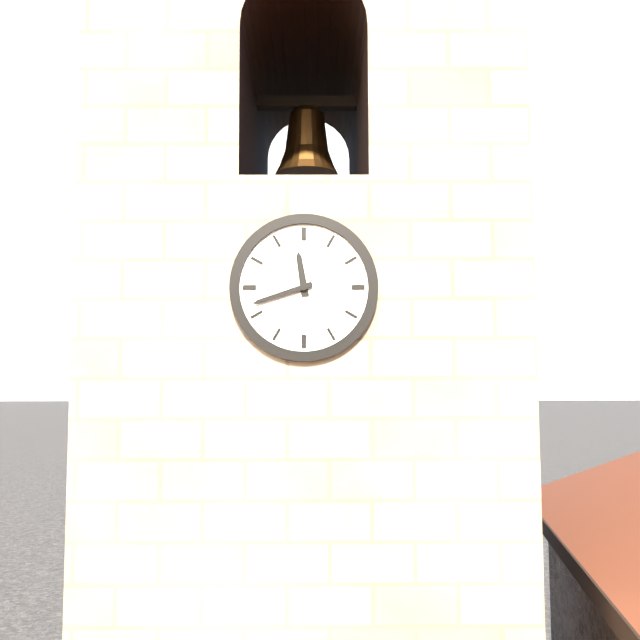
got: 11h42
